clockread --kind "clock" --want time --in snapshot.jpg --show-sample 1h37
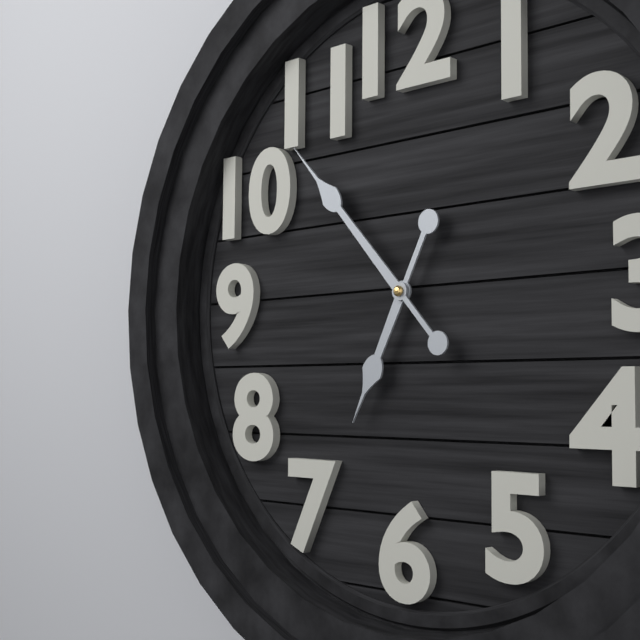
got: 6h53
